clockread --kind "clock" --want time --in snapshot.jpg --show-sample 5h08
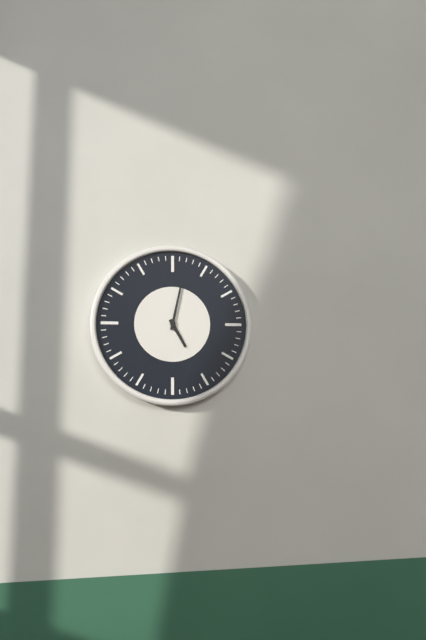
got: 5h02
